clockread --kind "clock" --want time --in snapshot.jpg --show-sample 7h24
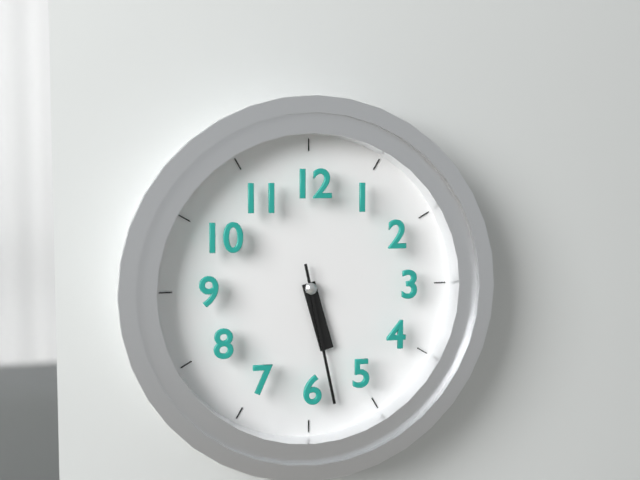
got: 5h28
